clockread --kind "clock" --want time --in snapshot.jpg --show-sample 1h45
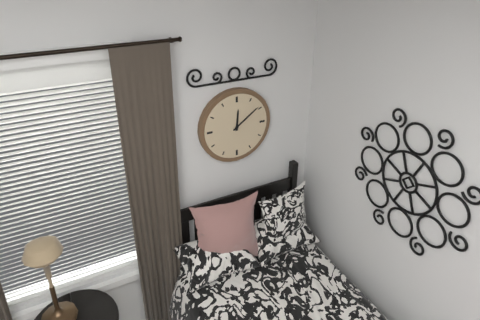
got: 12h09
